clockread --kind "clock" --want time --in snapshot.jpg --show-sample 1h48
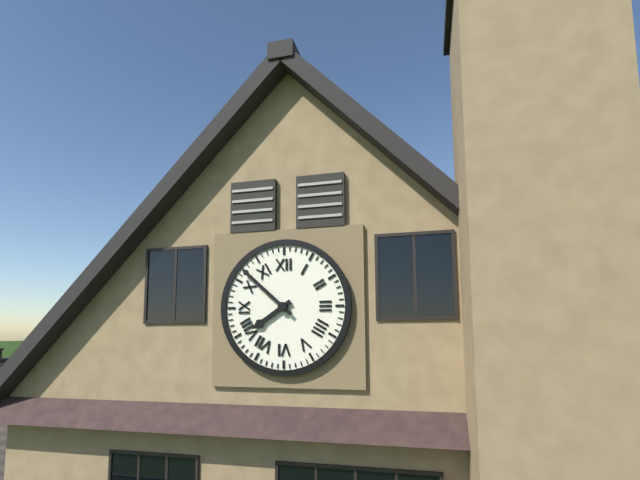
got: 7h52
